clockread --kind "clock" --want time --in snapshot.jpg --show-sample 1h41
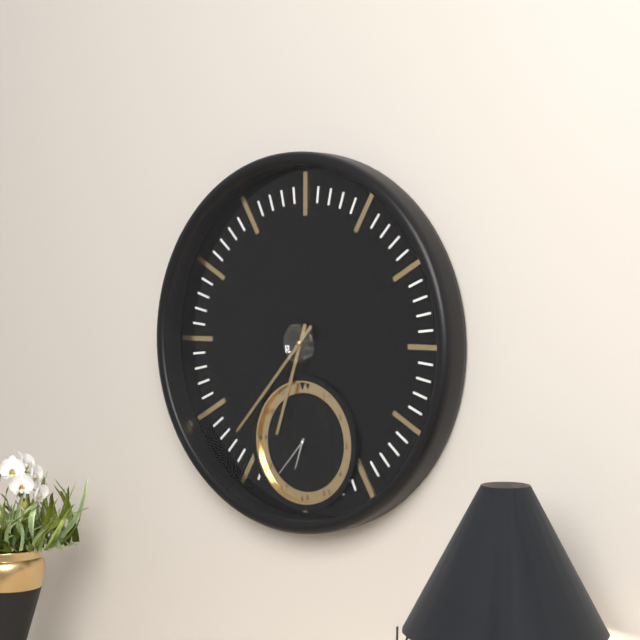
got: 6h37
